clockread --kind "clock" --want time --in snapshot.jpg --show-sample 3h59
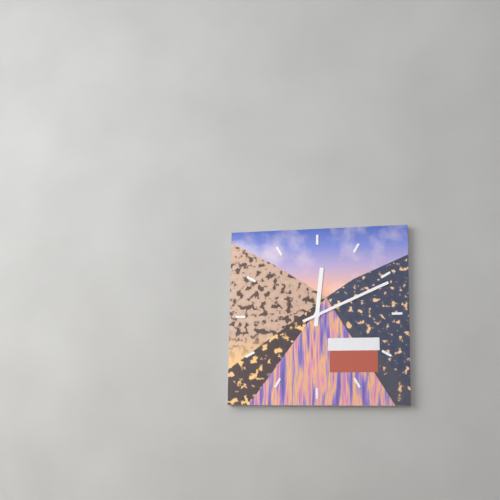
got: 12h11
